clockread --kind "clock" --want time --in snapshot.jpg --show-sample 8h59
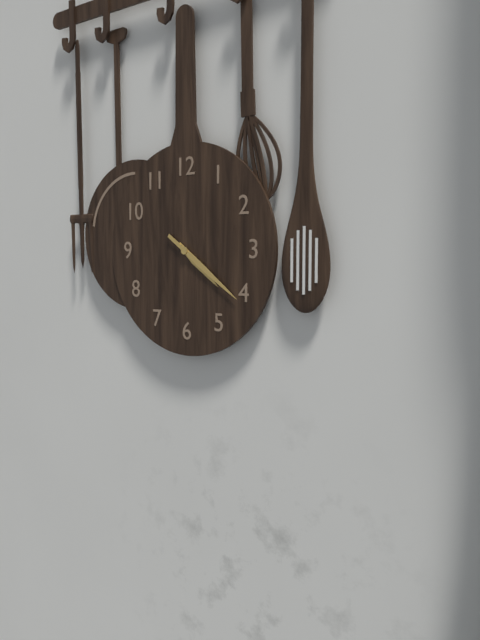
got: 4h21
